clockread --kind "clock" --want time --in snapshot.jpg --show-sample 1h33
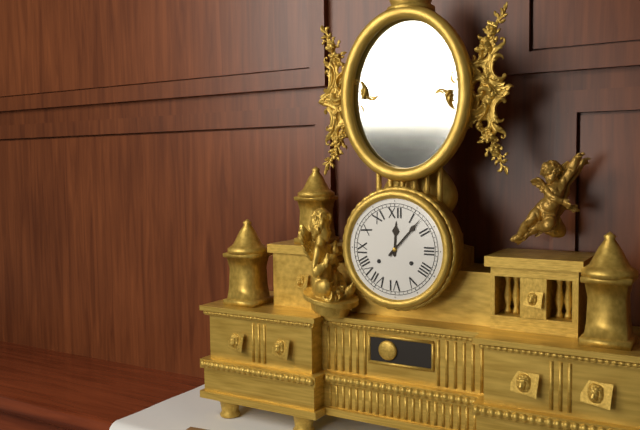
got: 12h07
